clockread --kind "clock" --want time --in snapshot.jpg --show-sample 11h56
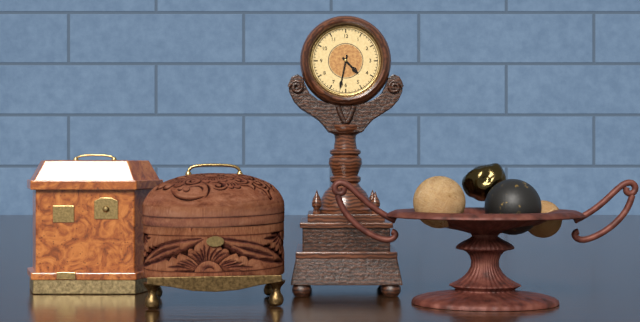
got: 4h32
